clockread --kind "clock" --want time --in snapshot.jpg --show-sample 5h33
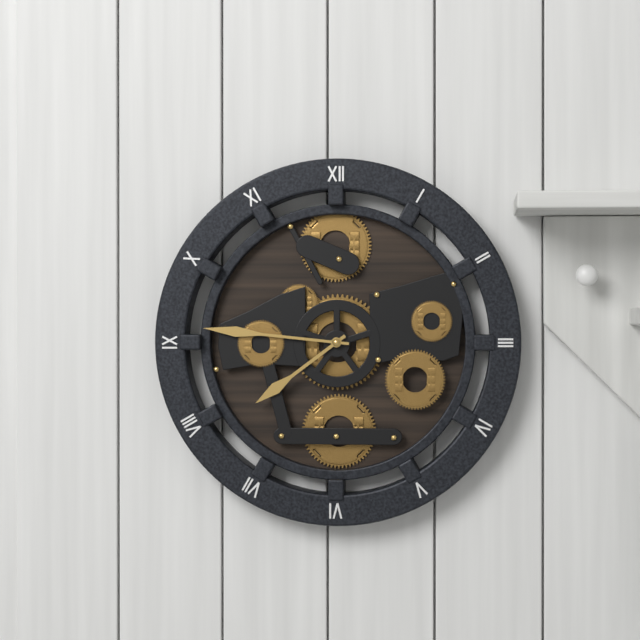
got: 7h46
